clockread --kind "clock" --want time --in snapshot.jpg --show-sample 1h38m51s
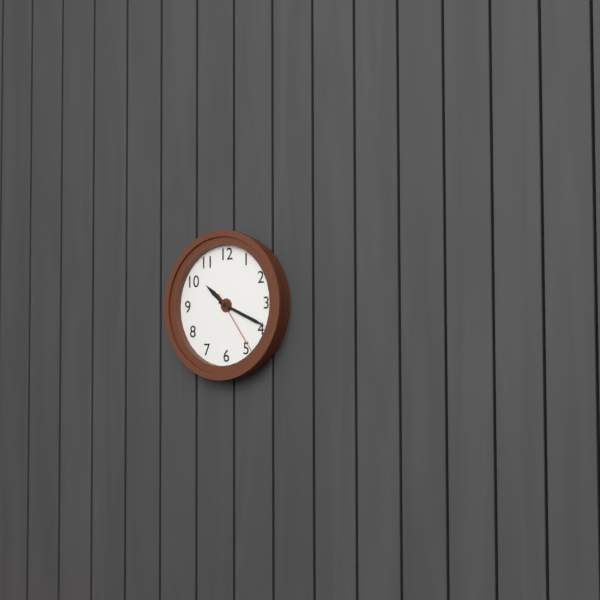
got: 10h19m24s
